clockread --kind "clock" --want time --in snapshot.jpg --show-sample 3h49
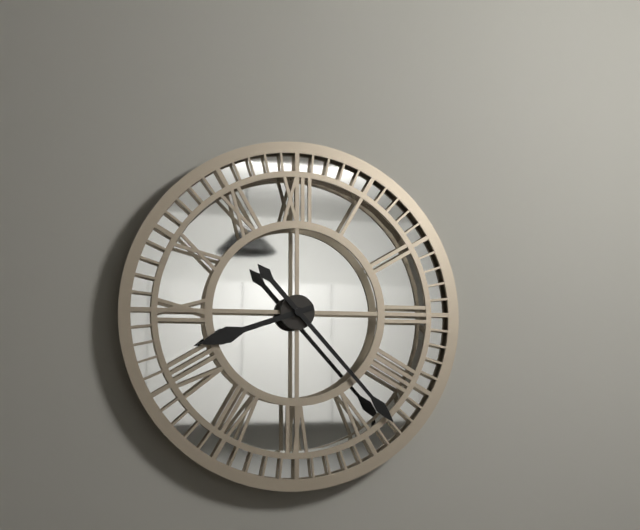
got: 8h23
